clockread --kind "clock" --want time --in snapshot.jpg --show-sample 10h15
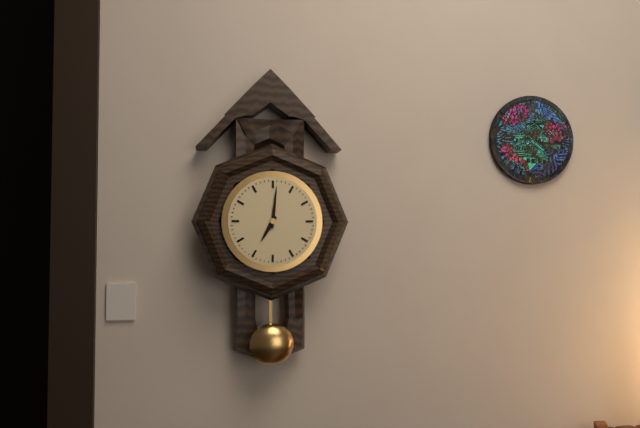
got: 7h01
